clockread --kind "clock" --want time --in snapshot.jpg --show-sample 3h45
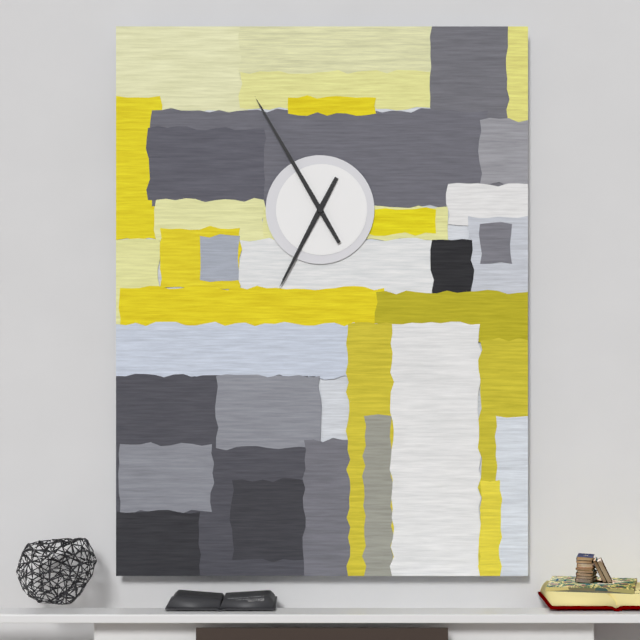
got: 6h55
